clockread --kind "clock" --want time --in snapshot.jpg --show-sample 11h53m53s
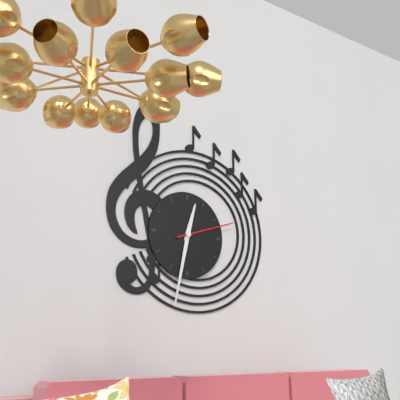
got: 12h32m12s
